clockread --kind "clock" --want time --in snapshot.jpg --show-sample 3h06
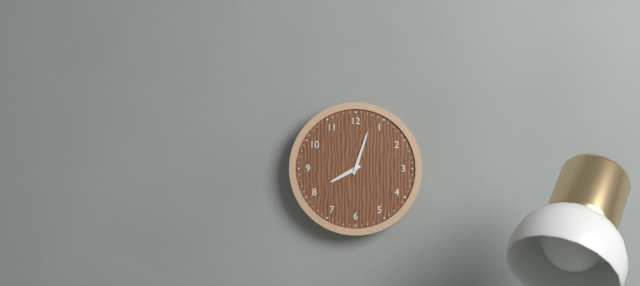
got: 8h03
